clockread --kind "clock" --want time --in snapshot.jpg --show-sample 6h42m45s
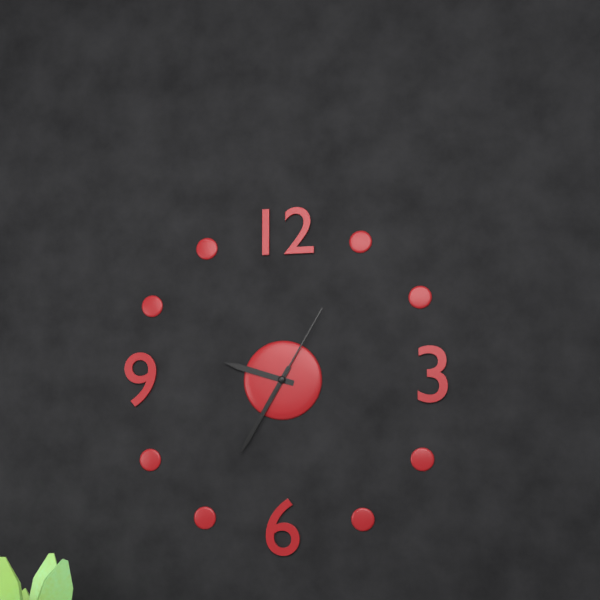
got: 9h35m05s
